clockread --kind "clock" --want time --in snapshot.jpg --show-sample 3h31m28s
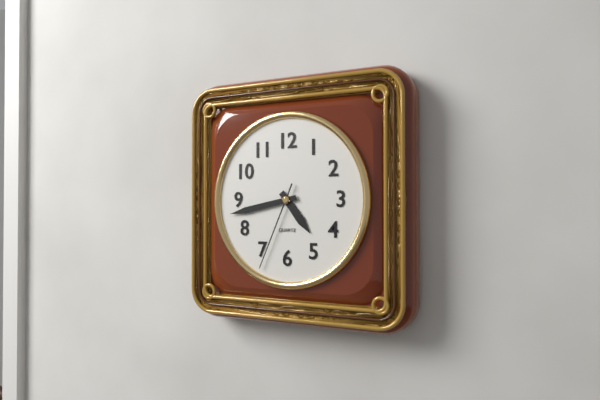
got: 4h43m34s
